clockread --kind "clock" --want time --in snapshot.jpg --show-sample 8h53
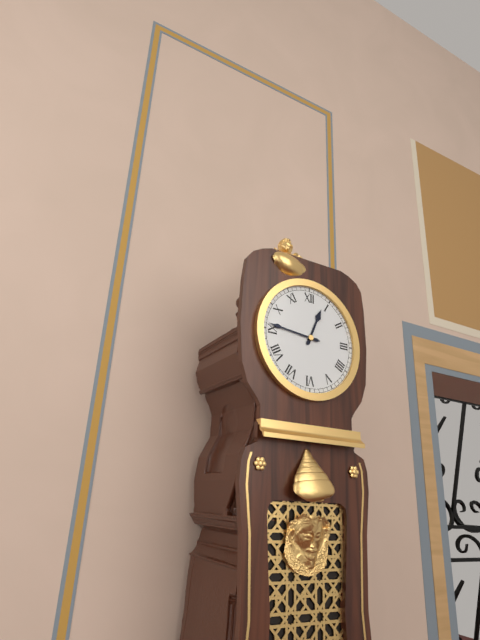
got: 12h46
